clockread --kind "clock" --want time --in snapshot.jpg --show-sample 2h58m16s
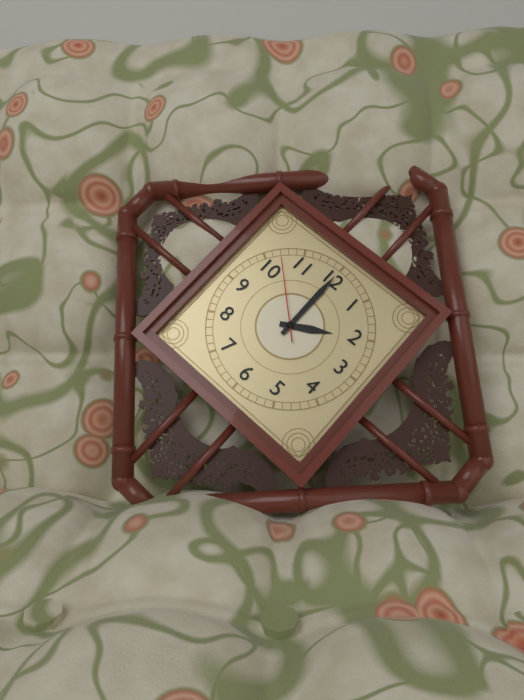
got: 2h00m52s
